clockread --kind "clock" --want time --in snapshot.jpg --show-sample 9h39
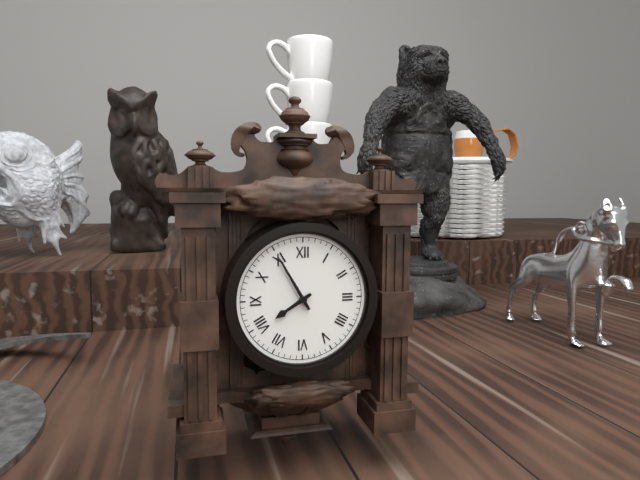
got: 7h55
